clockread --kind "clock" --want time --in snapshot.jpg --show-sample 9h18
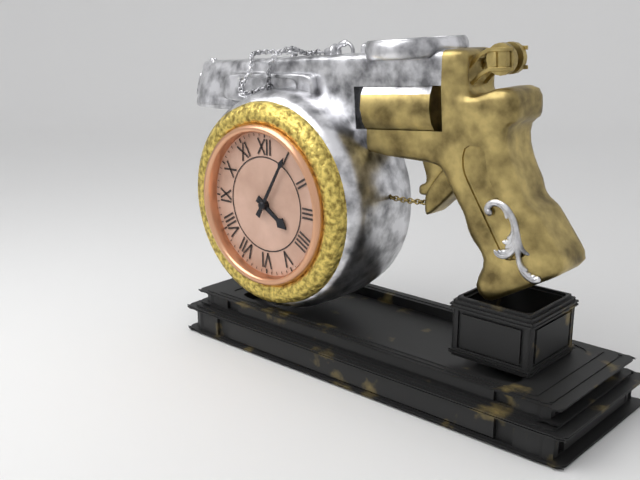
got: 4h05
